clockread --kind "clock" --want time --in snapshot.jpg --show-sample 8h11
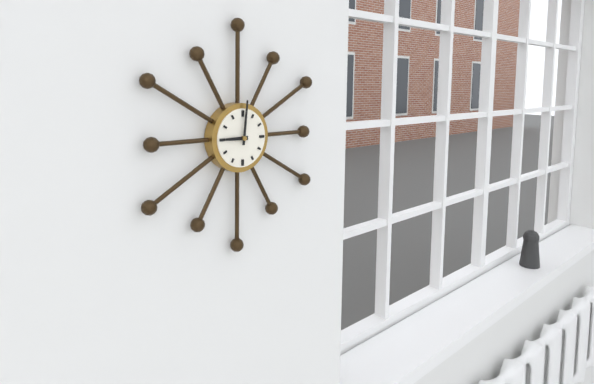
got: 9h01
